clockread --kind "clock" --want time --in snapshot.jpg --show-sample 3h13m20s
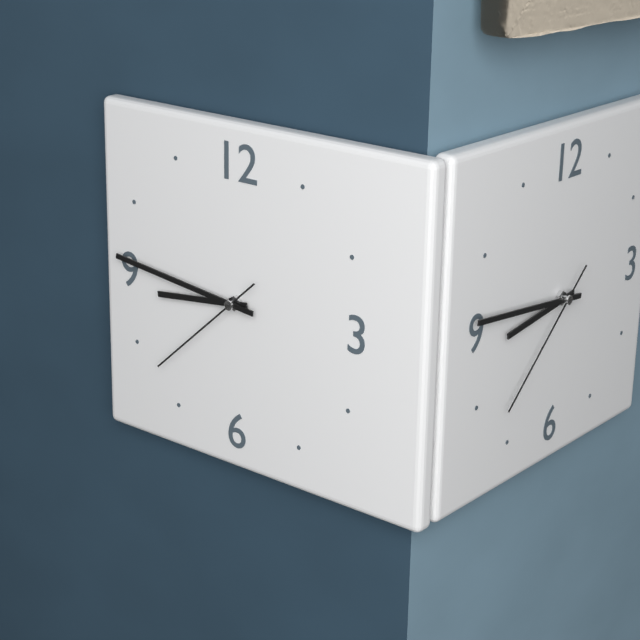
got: 8h46m38s
